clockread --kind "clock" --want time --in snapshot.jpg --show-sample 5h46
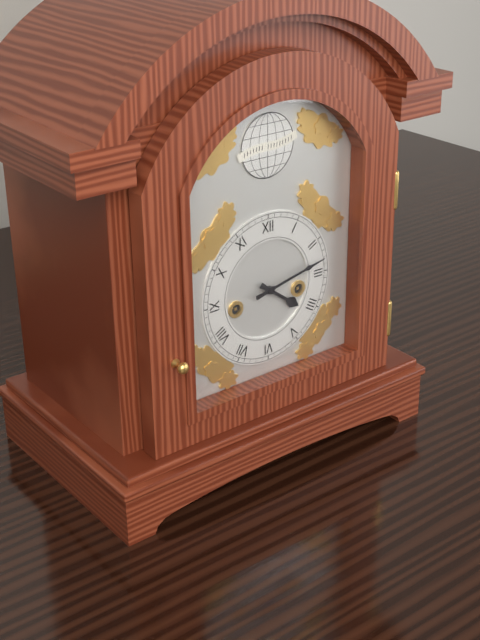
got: 4h13
